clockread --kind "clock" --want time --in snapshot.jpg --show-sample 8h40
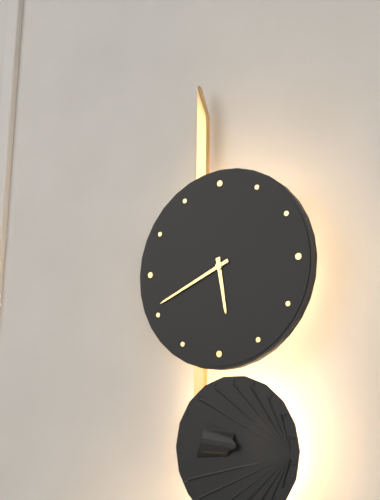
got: 5h41
